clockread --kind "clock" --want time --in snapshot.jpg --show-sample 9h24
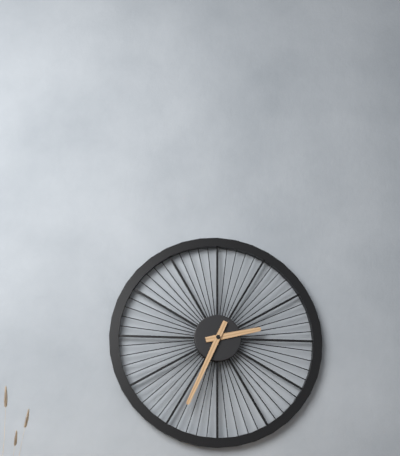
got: 2h34
